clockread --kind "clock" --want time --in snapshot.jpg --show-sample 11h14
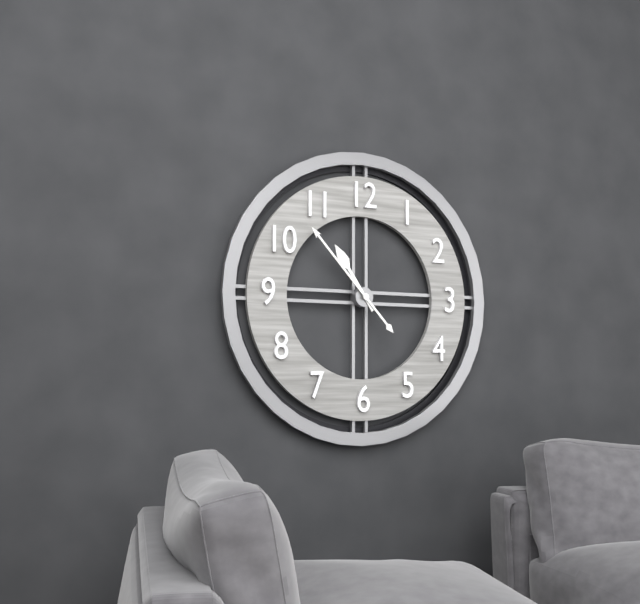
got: 10h53
